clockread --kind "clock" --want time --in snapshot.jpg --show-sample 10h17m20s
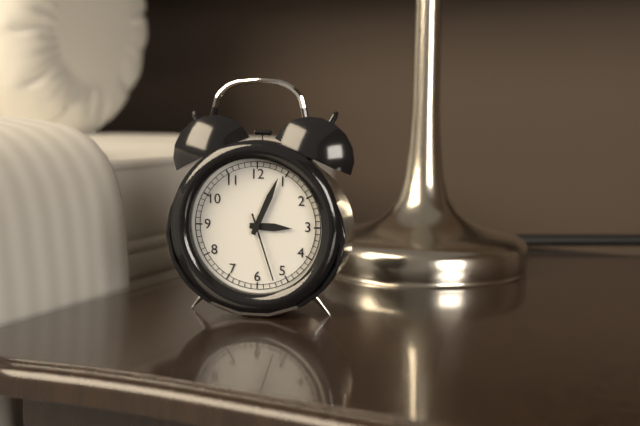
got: 3h04m27s
